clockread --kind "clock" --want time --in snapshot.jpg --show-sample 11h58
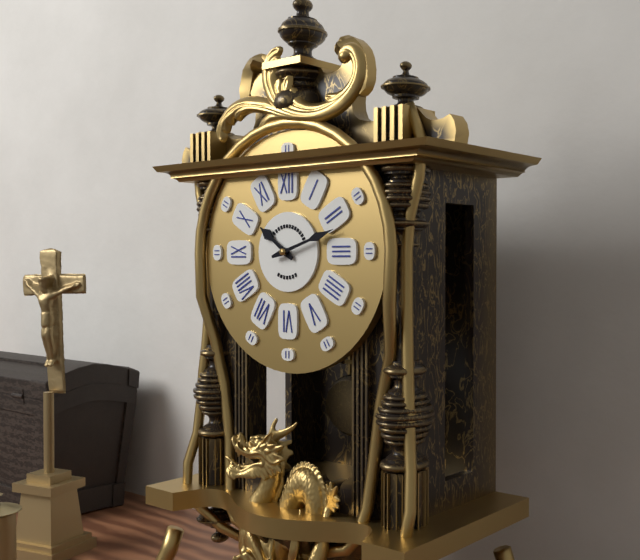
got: 10h12
